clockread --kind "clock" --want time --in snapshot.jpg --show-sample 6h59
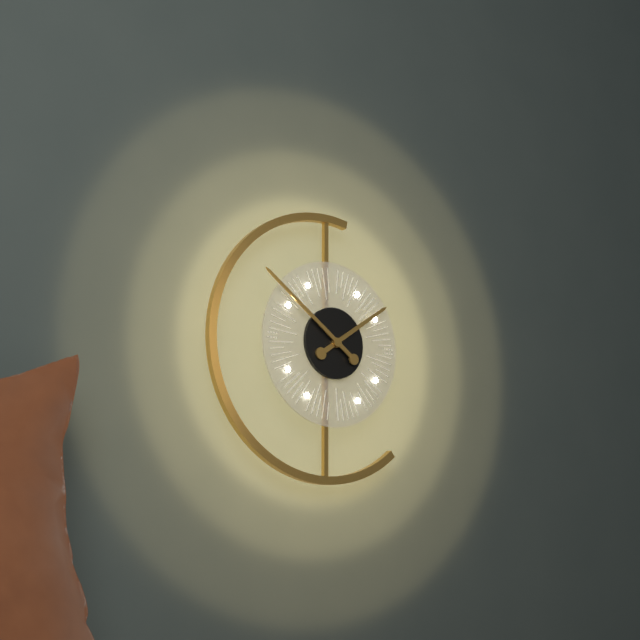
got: 1h51
